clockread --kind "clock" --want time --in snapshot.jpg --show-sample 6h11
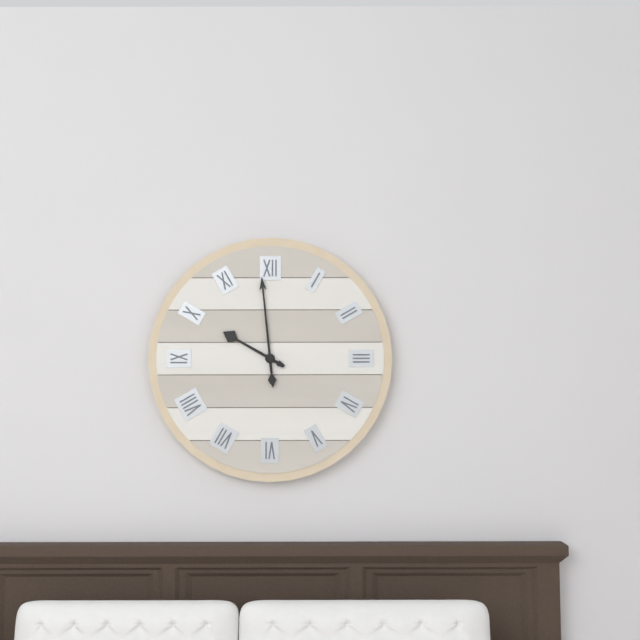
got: 9h59
